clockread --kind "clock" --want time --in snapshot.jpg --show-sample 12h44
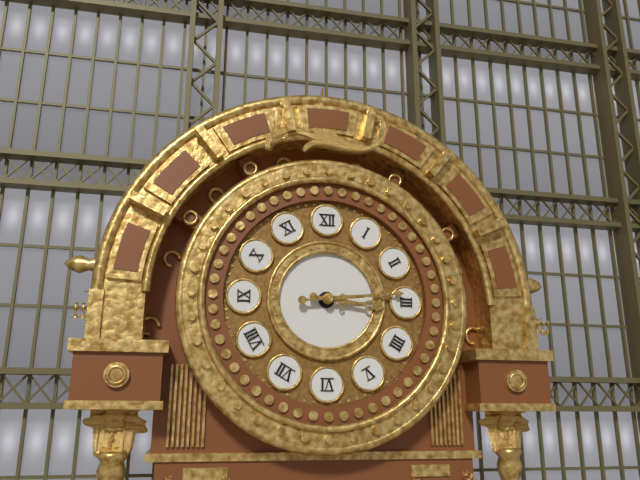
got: 3h14
